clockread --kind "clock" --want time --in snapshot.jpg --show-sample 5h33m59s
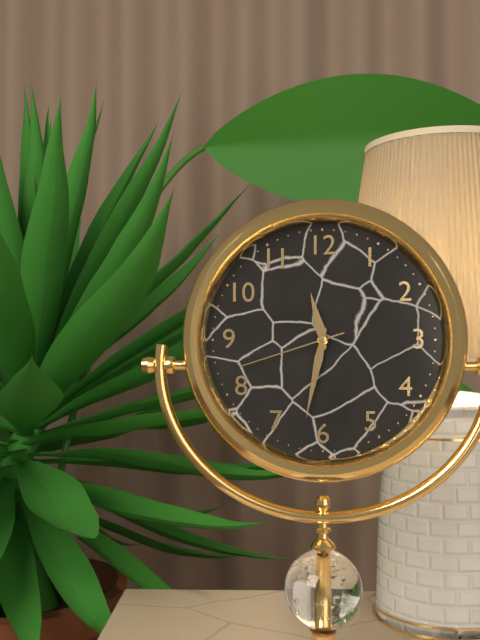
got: 11h32m42s
